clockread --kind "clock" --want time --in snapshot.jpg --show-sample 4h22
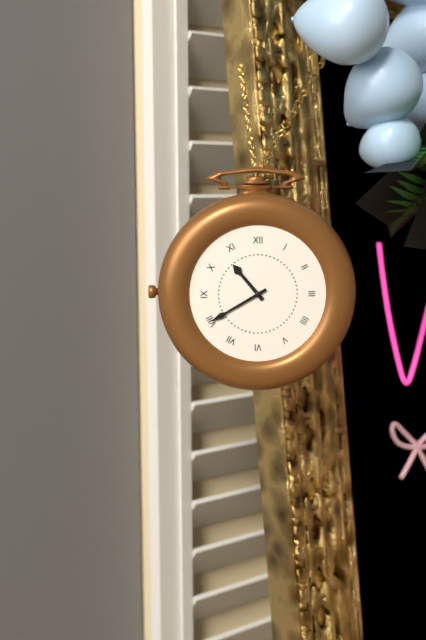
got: 10h40
